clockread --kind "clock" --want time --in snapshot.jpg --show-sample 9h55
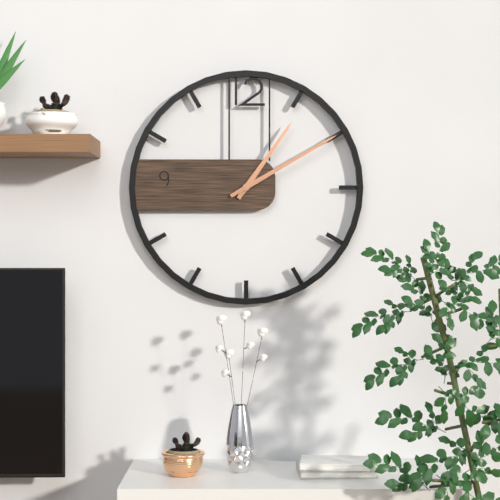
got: 1h10
